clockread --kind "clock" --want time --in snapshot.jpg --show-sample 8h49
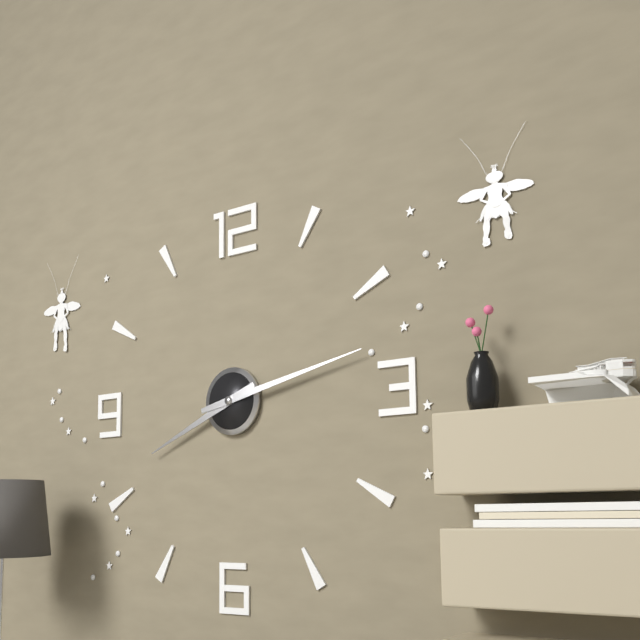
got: 8h13
